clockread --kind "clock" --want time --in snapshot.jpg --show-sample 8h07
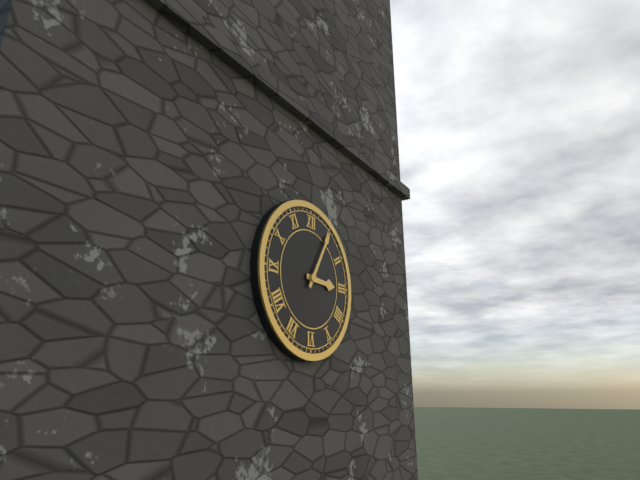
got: 3h05
